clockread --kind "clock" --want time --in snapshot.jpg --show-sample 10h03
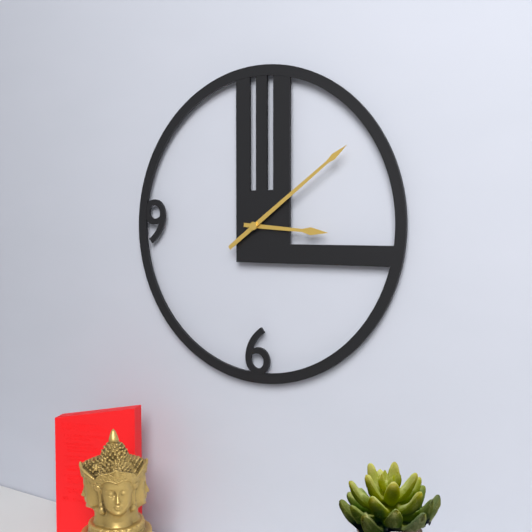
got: 3h09
